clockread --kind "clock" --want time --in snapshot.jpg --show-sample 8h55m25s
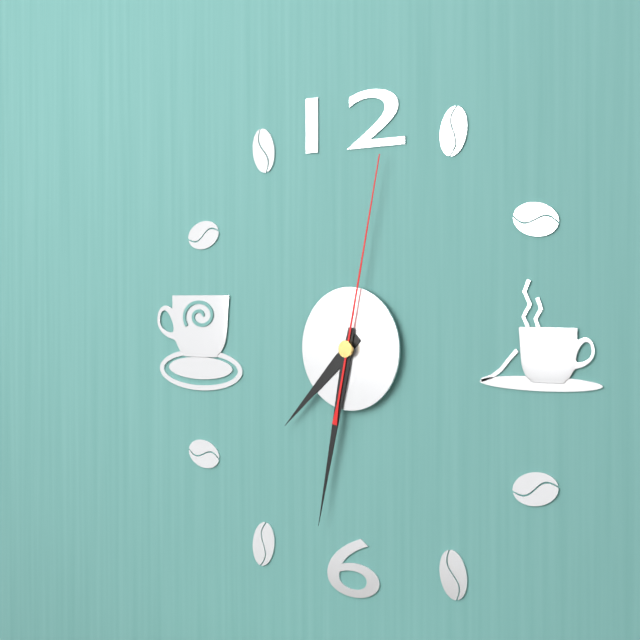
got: 7h32m02s
